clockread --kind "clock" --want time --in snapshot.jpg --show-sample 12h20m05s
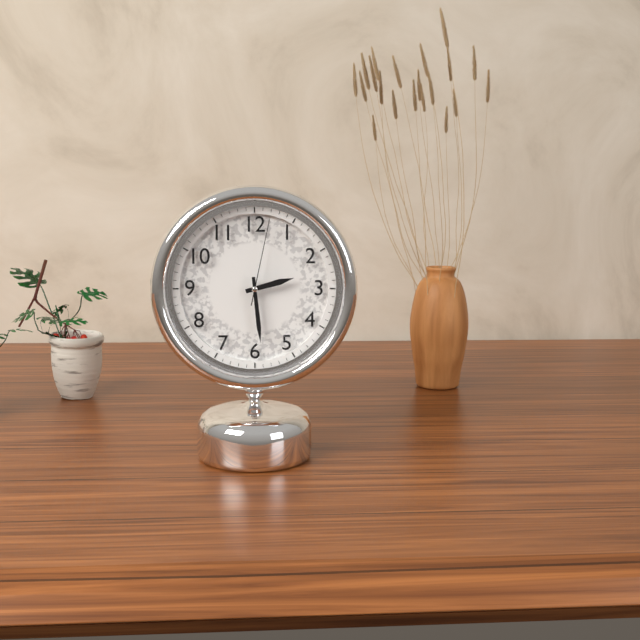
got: 2h29m02s
